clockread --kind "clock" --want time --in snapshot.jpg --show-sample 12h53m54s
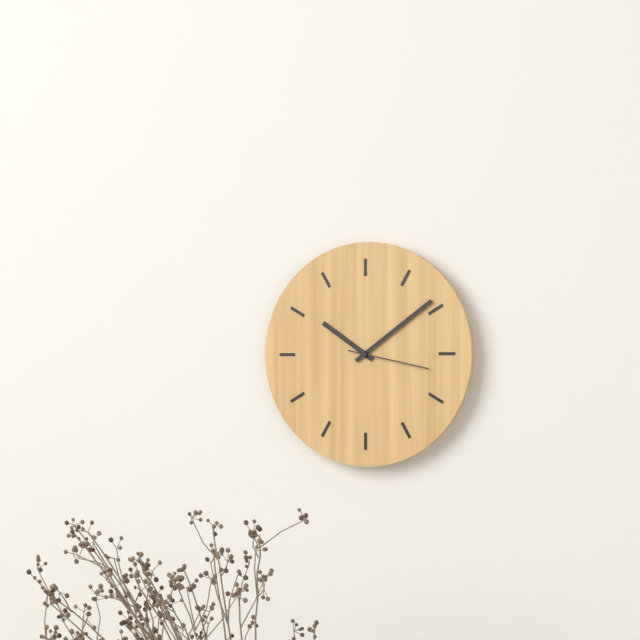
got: 10h09m17s
